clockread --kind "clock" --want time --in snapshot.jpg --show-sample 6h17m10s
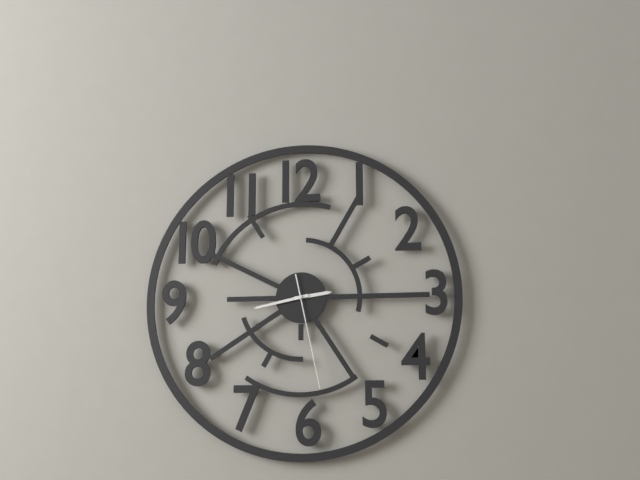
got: 2h43m28s
